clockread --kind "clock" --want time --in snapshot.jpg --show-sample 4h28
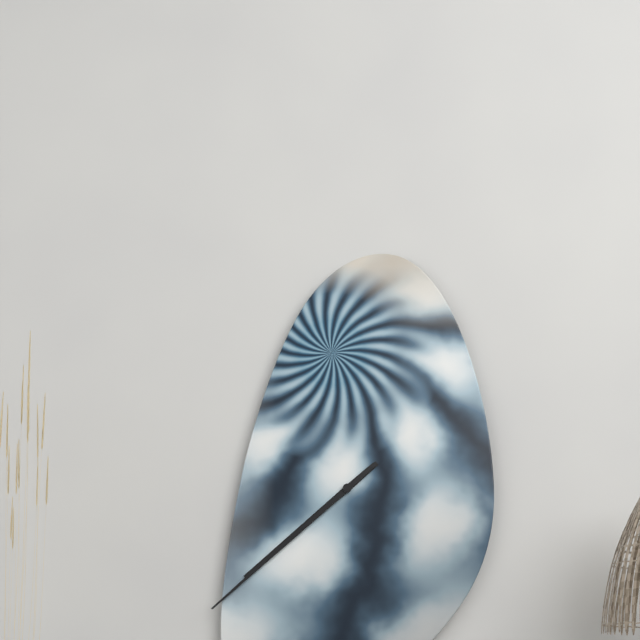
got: 7h38
